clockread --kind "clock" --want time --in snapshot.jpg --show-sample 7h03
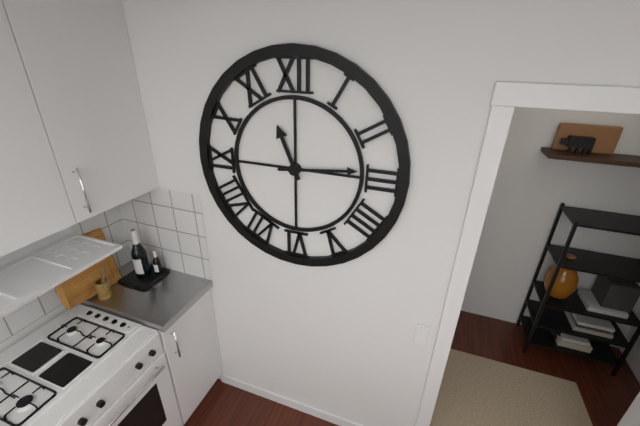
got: 11h14
